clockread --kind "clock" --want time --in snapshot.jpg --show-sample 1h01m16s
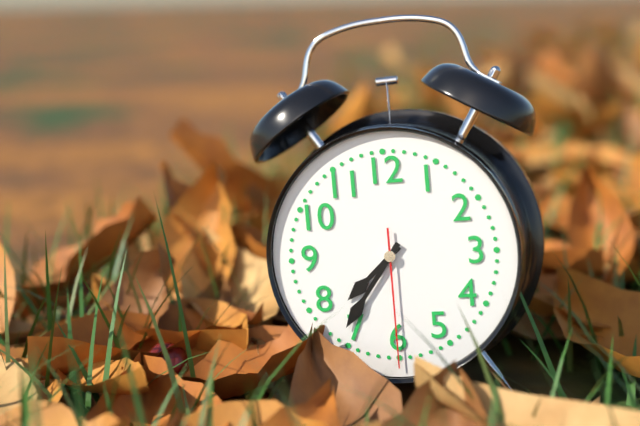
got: 7h36m30s
